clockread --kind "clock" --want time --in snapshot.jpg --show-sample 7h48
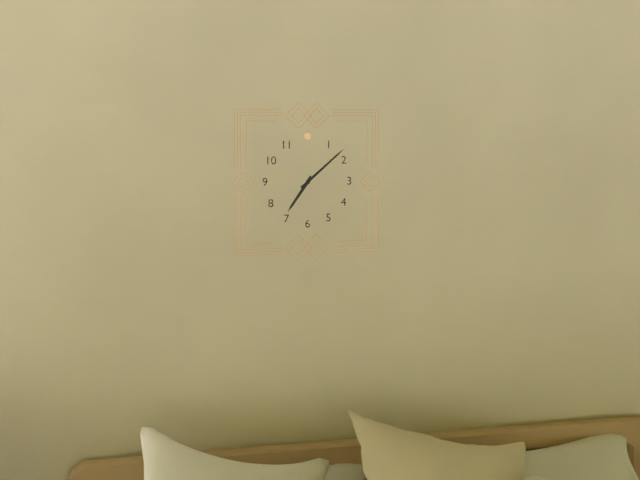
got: 7h08
